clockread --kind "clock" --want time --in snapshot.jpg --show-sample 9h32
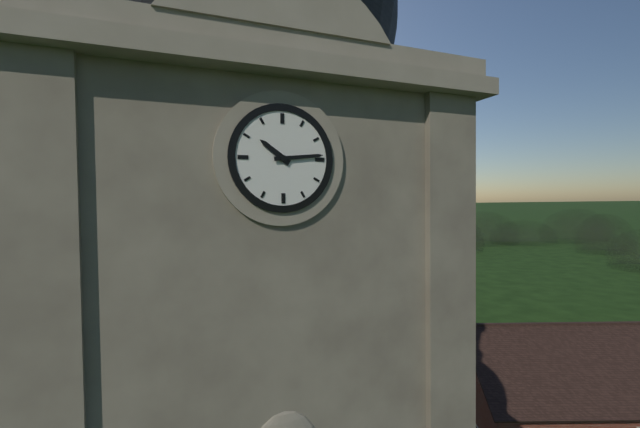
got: 10h14
